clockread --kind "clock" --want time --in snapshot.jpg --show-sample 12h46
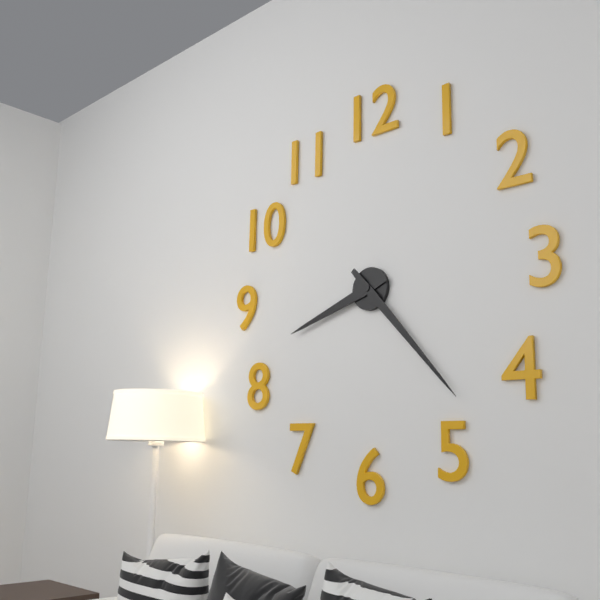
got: 8h23
